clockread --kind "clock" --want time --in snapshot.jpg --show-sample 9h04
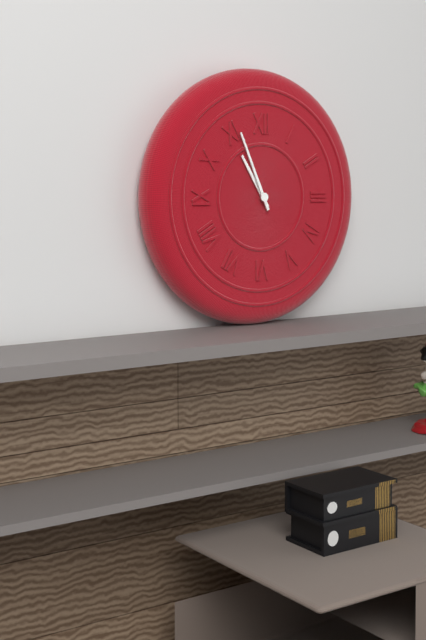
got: 10h56
